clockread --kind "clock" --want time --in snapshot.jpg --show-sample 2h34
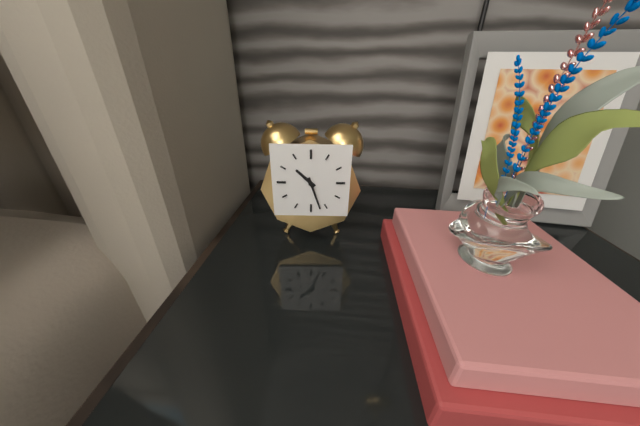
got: 10h27
